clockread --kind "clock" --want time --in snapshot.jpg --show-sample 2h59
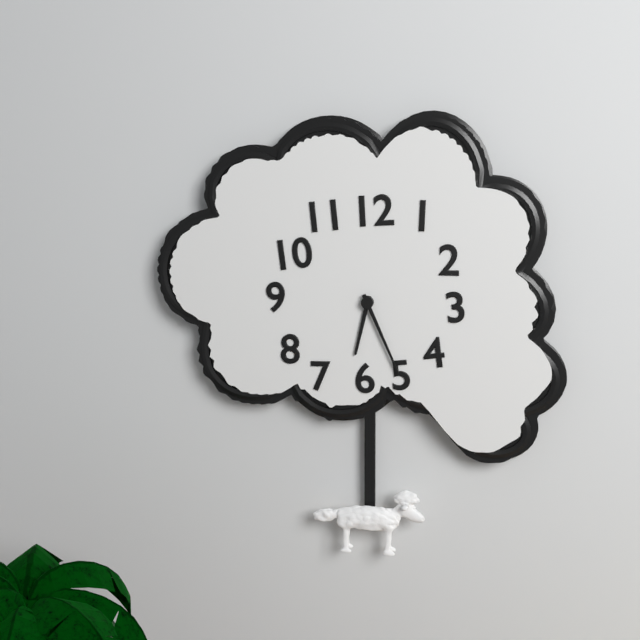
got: 6h26
